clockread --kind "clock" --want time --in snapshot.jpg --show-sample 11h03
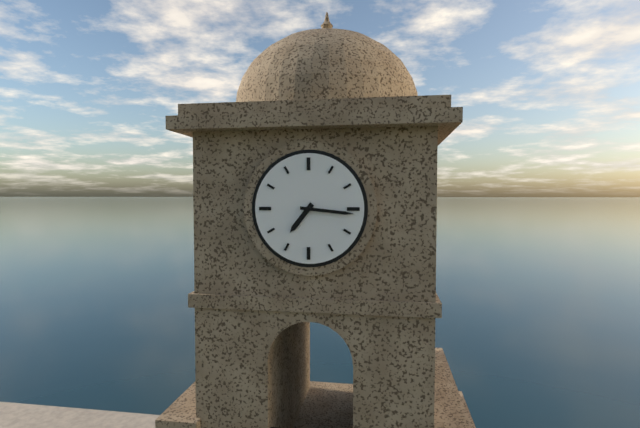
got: 7h16
